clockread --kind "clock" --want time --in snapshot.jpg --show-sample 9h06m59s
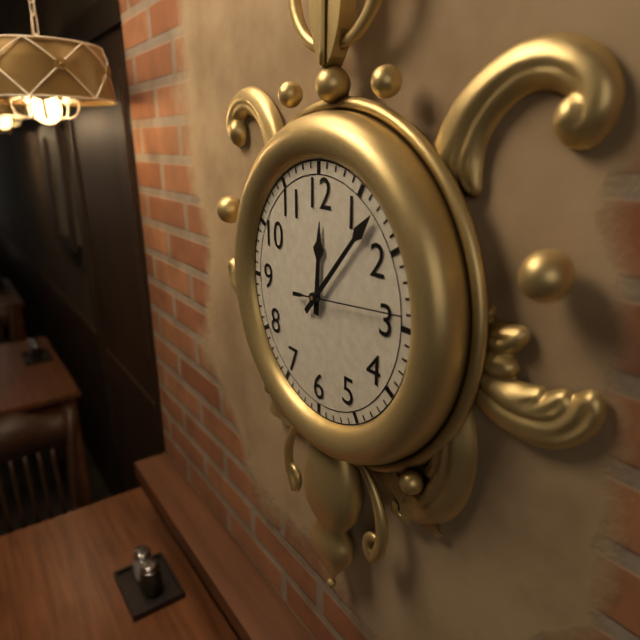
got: 12h07m14s
